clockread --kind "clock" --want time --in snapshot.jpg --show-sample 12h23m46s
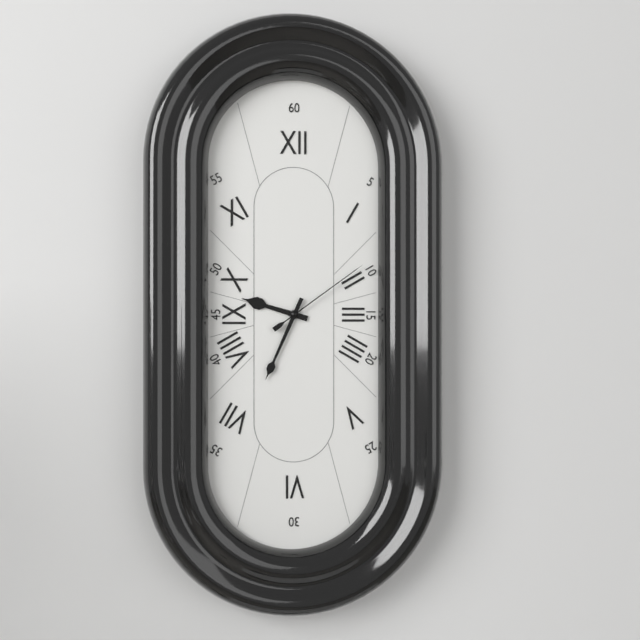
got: 9h34m09s
